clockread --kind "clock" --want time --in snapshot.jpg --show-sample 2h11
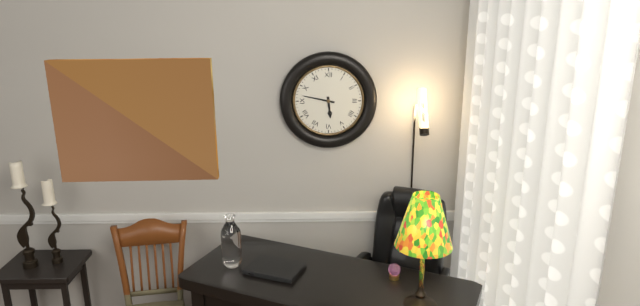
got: 5h47
